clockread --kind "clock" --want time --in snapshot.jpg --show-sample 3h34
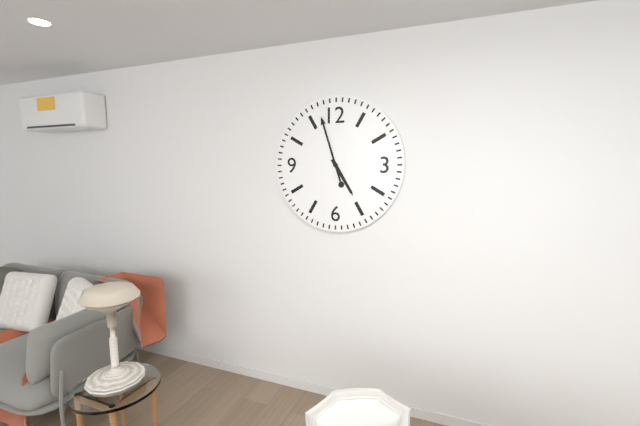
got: 4h57
